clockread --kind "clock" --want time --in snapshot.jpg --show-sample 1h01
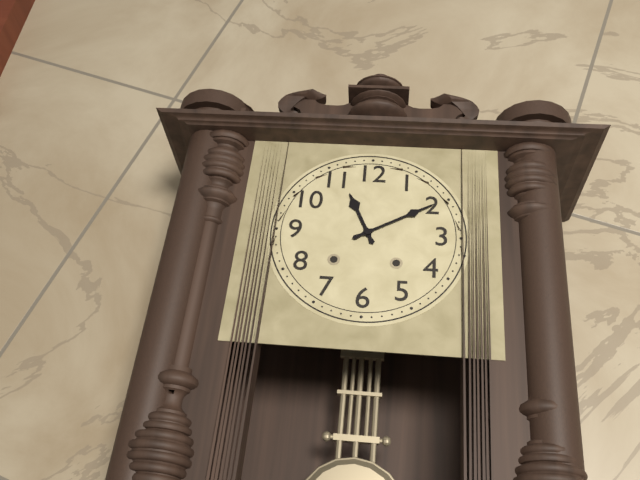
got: 11h10
